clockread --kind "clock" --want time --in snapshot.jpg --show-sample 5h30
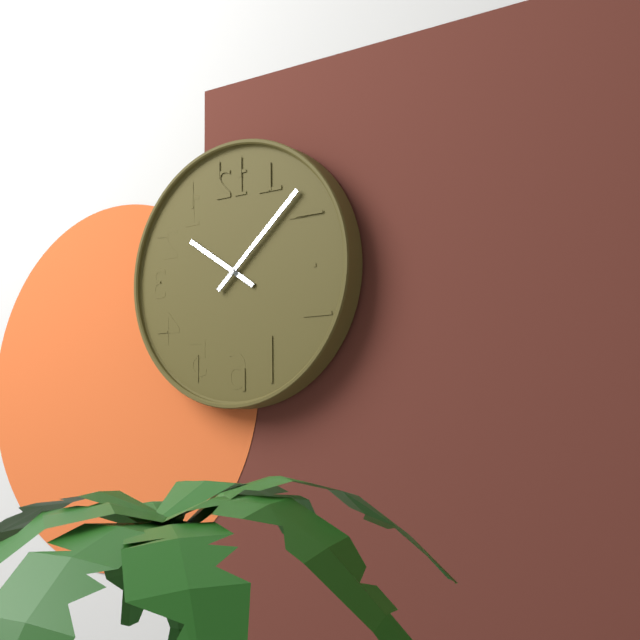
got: 10h08
